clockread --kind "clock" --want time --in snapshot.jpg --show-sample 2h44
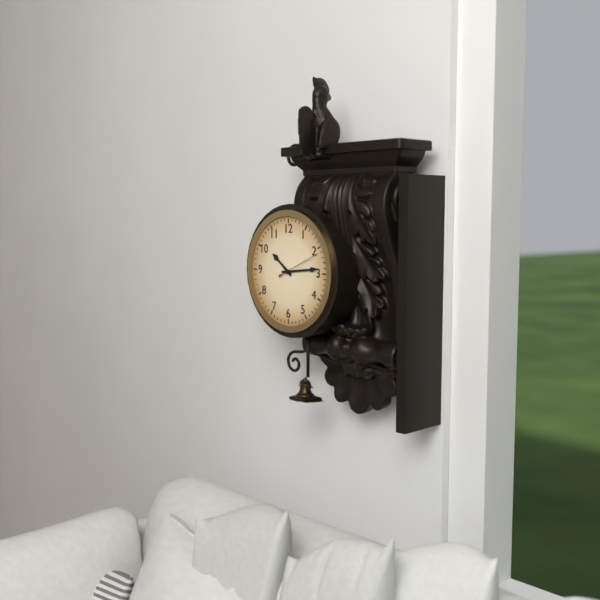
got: 10h14
